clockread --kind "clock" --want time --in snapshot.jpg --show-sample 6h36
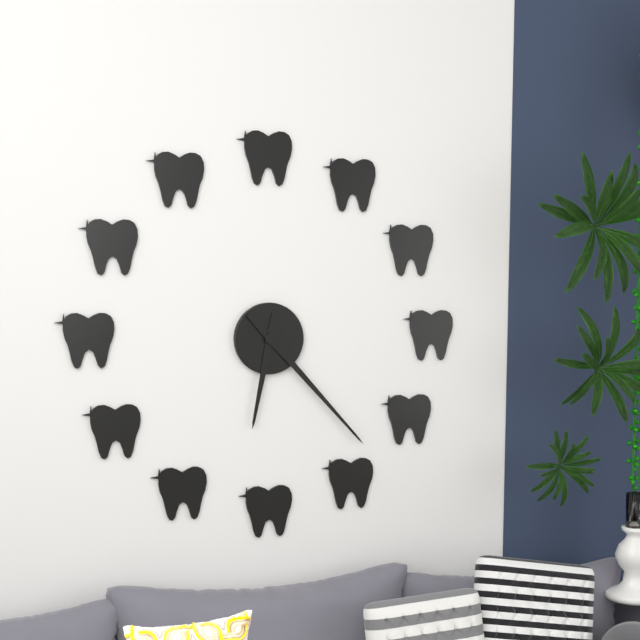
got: 6h23
